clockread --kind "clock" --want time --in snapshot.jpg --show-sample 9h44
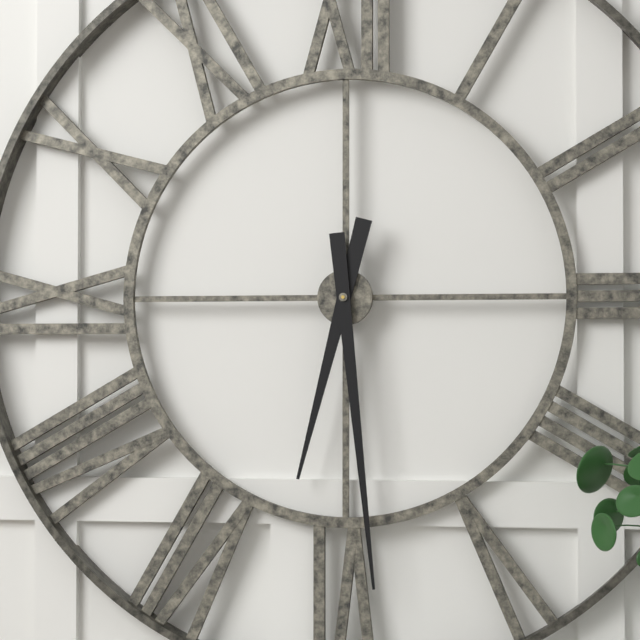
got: 6h29
